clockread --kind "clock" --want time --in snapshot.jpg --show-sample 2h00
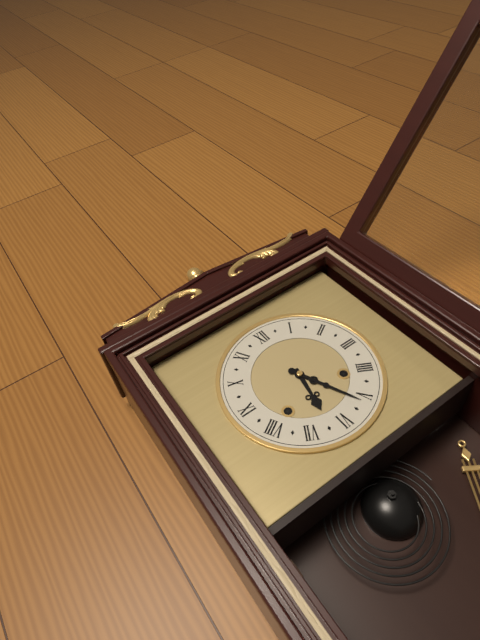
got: 6h26
